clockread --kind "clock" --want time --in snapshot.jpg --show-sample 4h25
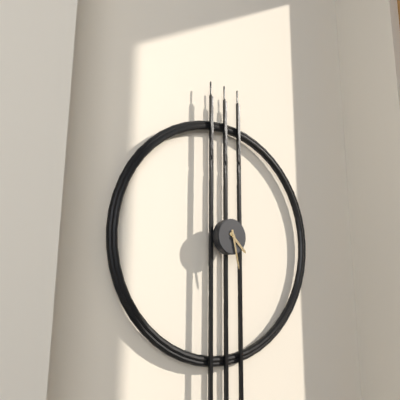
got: 4h28
